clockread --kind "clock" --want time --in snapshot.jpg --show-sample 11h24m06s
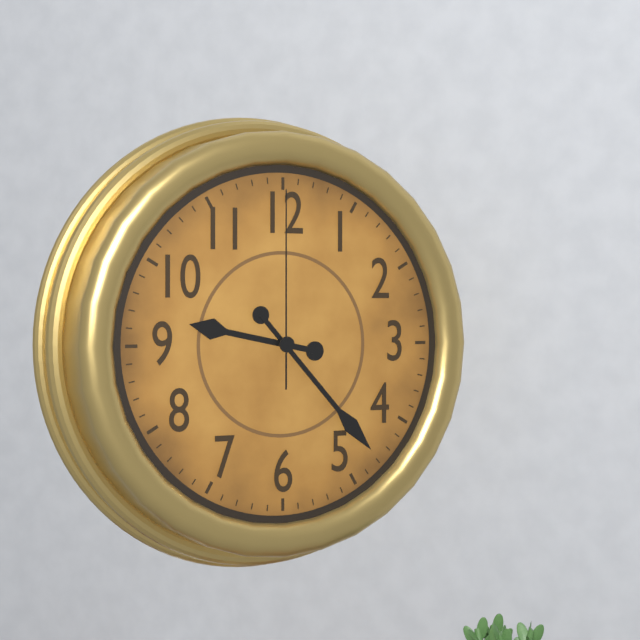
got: 9h23m00s
